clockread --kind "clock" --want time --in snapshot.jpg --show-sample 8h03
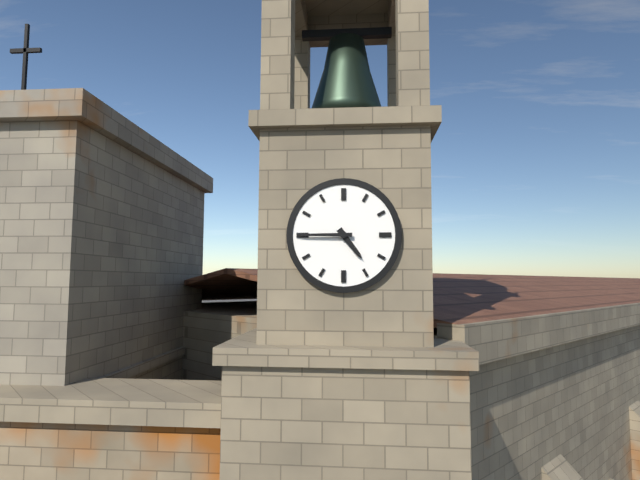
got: 4h45
